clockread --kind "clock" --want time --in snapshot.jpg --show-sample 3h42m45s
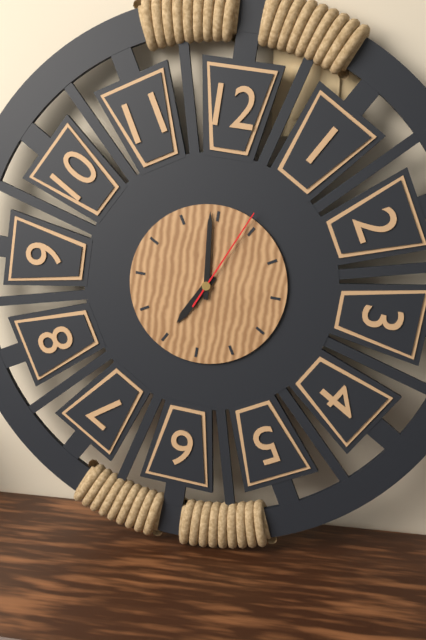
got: 6h59m04s
